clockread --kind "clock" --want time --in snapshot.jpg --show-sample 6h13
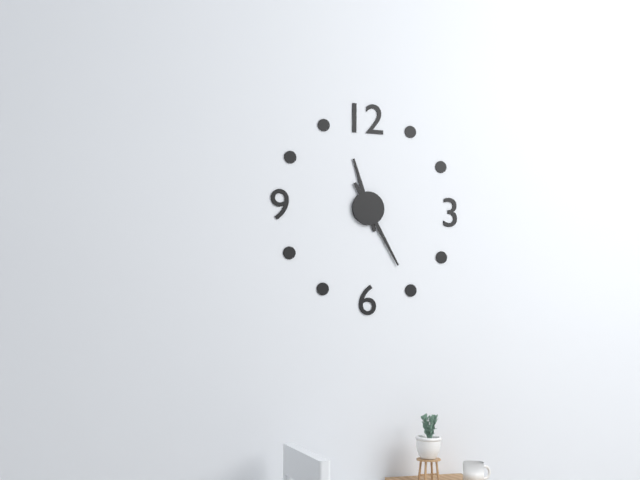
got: 11h25
